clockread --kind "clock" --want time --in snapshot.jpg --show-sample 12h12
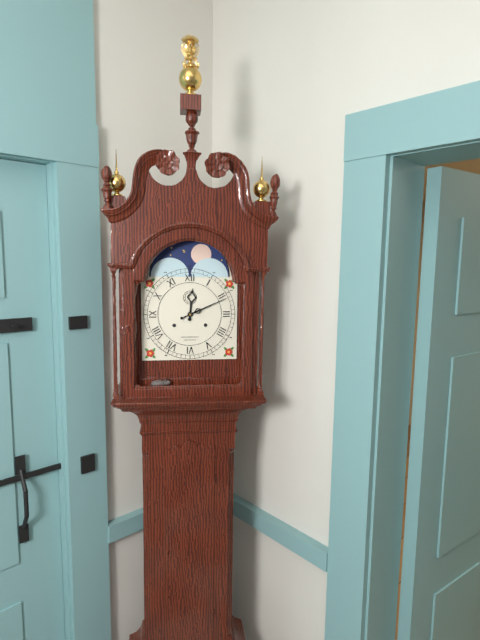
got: 12h11
